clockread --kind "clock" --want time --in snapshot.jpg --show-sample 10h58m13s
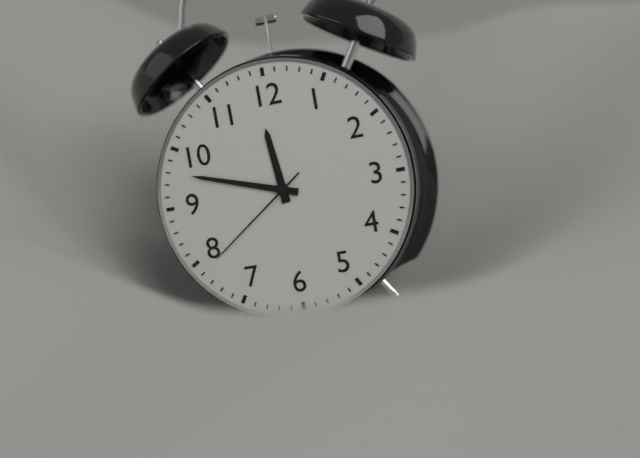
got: 11h48m39s
